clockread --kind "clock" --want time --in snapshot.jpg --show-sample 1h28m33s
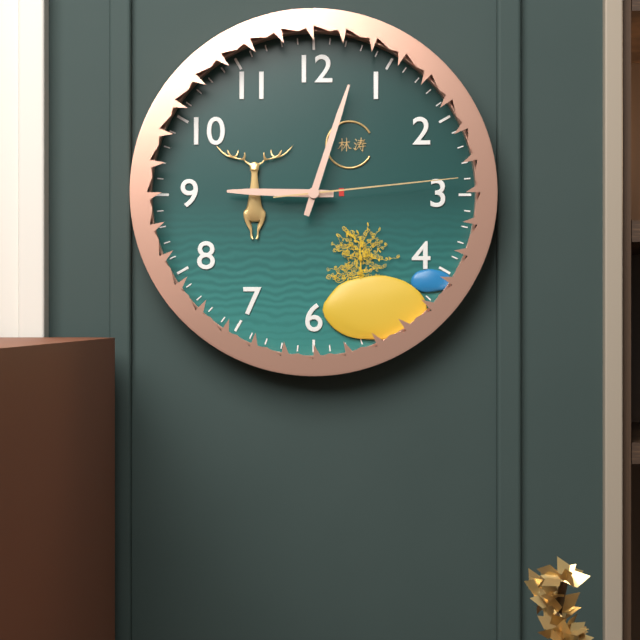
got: 9h03m14s
